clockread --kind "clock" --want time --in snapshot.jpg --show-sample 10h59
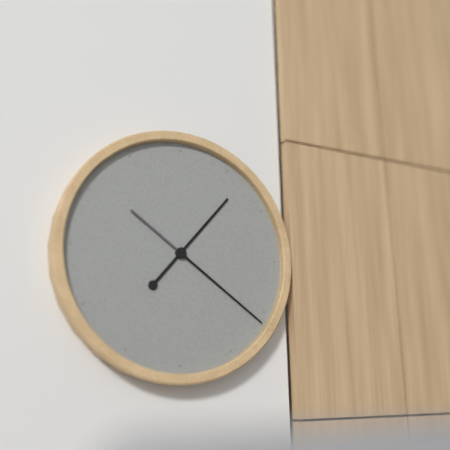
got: 1h21
